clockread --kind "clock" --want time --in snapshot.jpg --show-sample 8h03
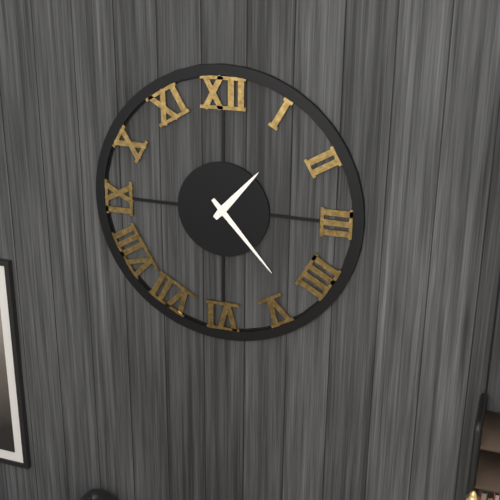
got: 1h23
